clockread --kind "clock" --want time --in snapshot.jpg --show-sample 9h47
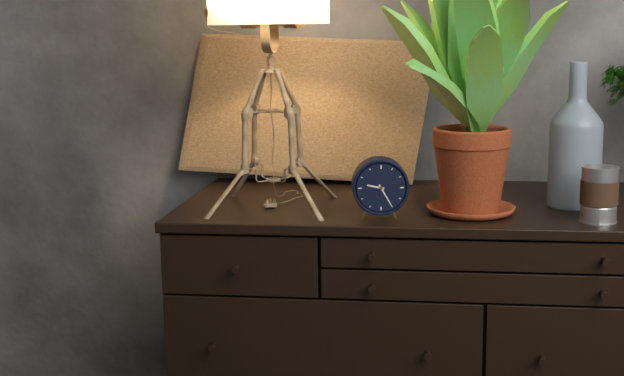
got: 9h25
